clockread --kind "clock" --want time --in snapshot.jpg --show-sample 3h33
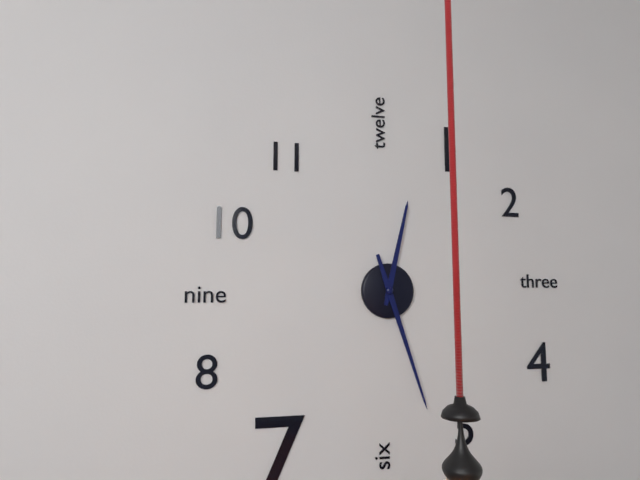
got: 12h27
